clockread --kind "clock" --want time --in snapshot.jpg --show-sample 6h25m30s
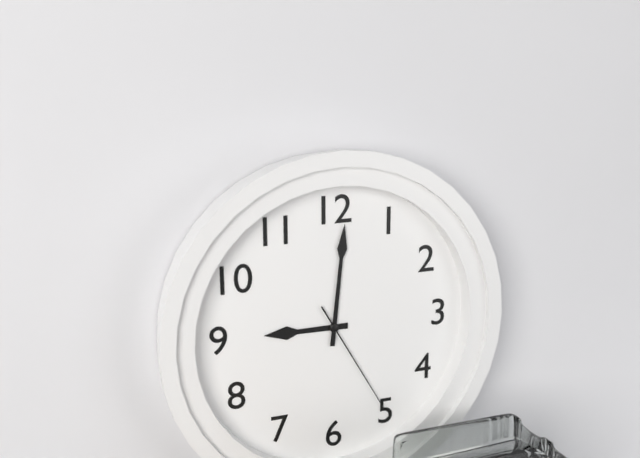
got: 9h01m25s
